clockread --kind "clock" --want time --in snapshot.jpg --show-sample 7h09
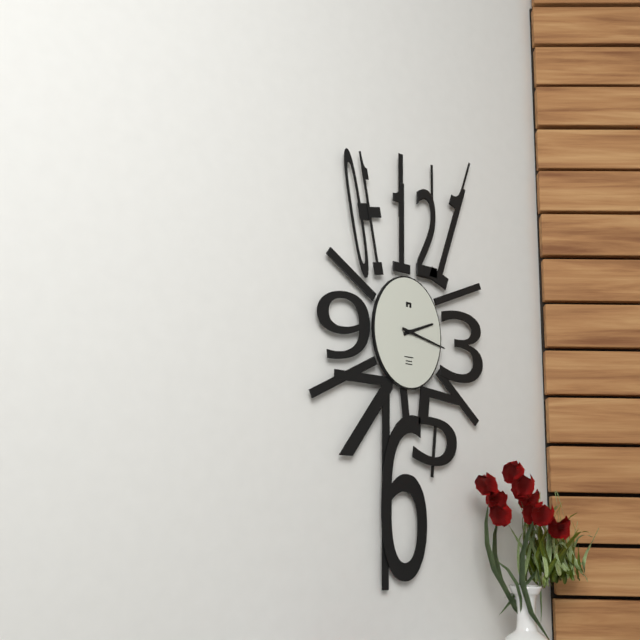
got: 2h17
